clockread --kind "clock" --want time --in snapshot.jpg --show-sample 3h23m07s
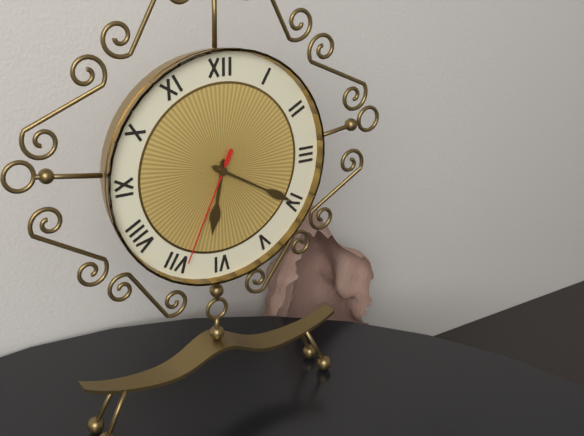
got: 6h20m34s
